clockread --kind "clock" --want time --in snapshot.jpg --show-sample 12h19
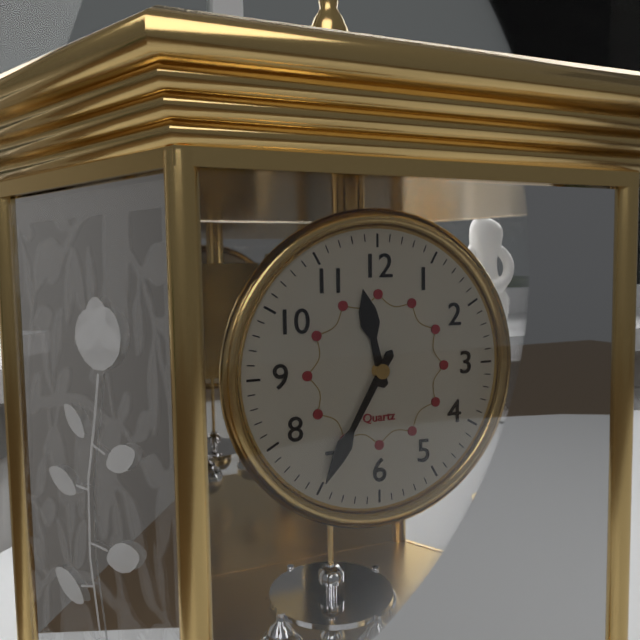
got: 11h35
